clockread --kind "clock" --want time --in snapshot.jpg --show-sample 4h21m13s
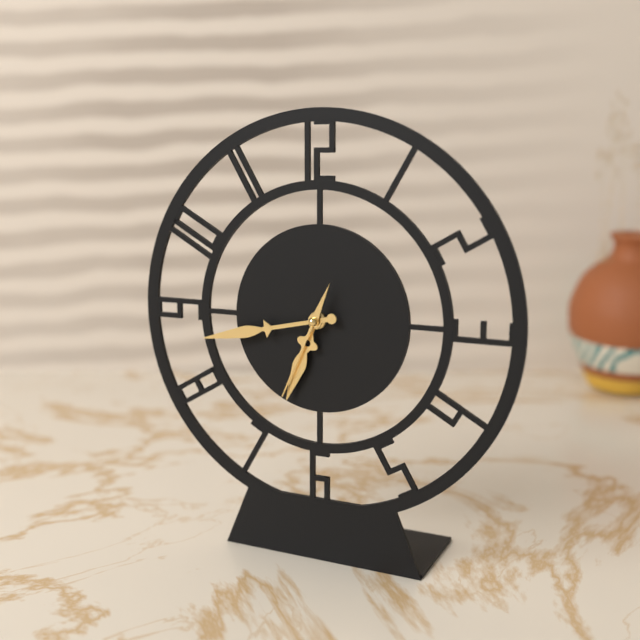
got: 6h43m34s
